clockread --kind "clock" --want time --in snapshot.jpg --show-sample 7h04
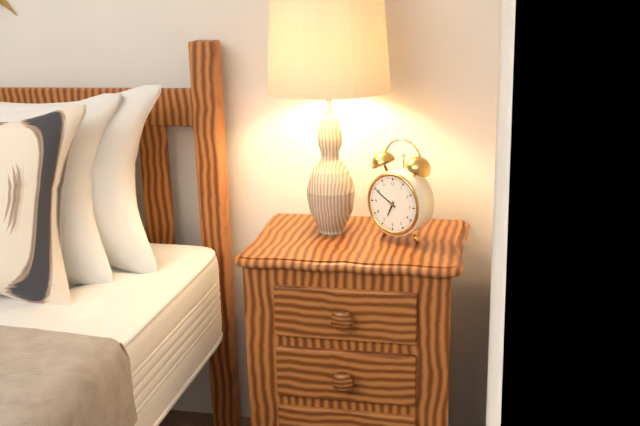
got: 6h50
